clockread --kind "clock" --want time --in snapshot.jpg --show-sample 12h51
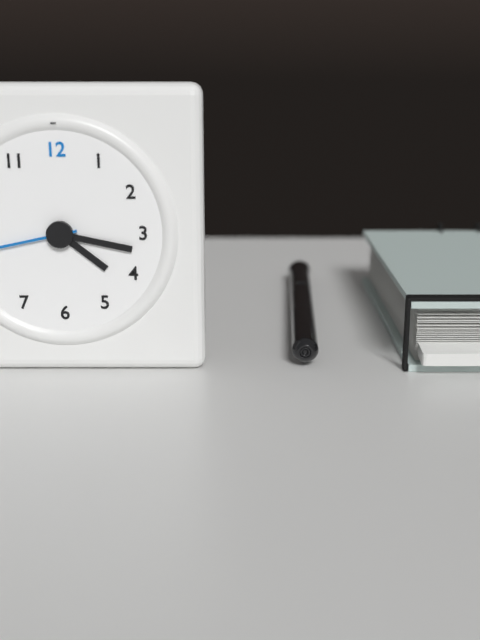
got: 4h17
